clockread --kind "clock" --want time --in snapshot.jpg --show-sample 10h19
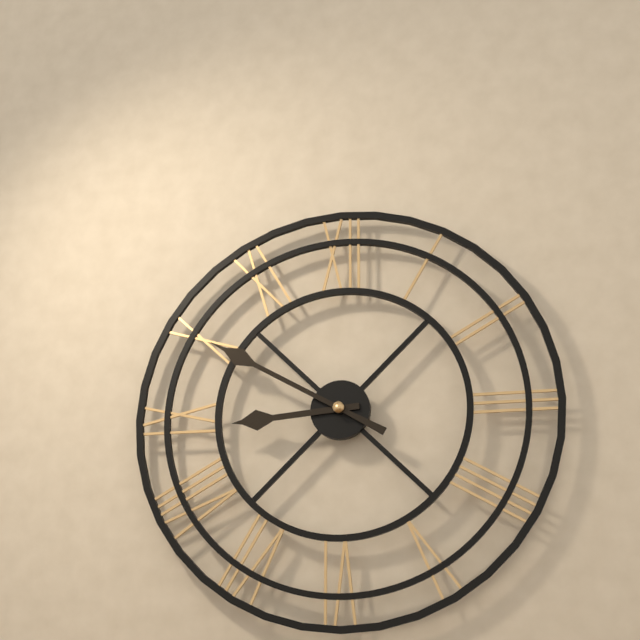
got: 8h50
